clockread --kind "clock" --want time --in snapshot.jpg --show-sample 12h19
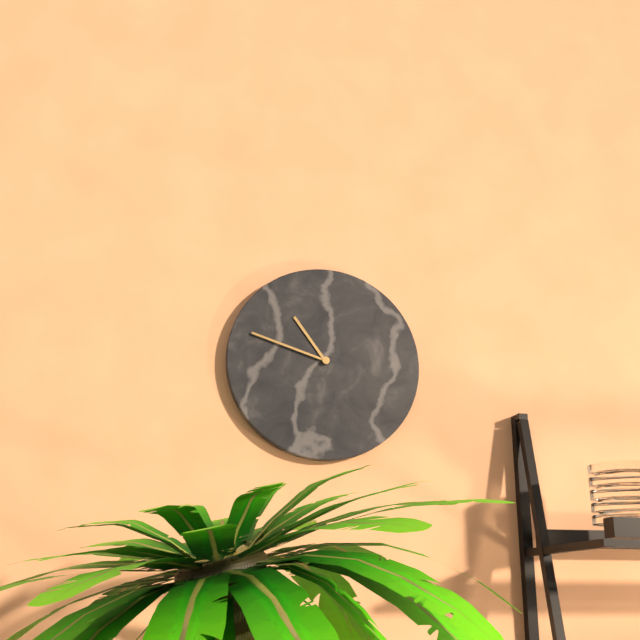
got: 10h48
